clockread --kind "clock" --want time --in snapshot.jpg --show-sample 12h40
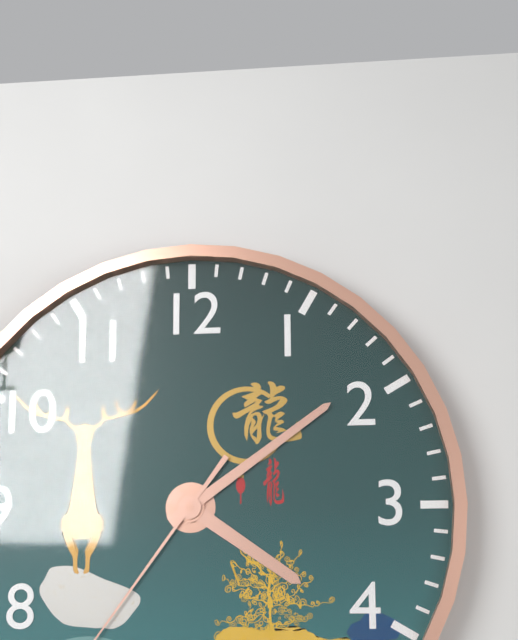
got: 4h09
